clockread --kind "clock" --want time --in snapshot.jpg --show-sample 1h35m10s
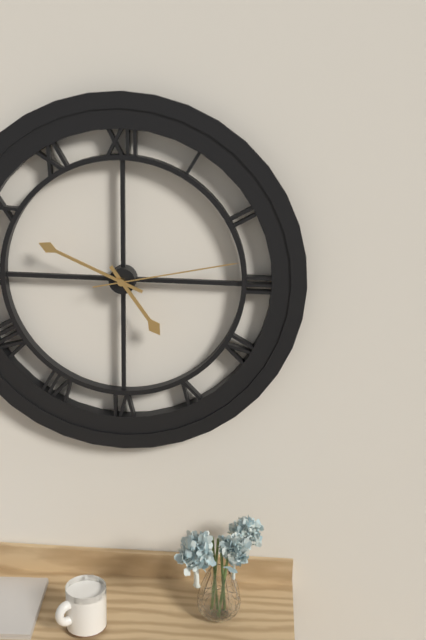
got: 4h49m13s
